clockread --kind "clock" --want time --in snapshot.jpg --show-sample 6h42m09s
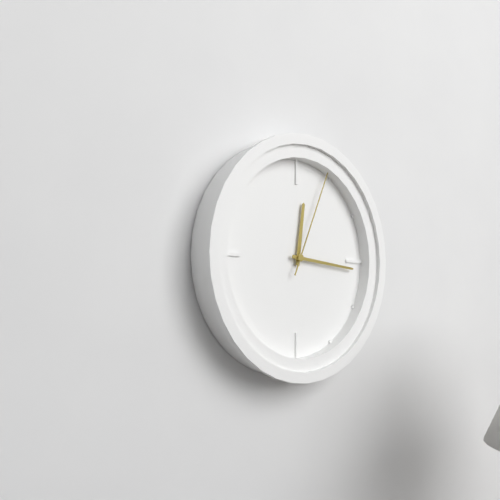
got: 12h16m04s
